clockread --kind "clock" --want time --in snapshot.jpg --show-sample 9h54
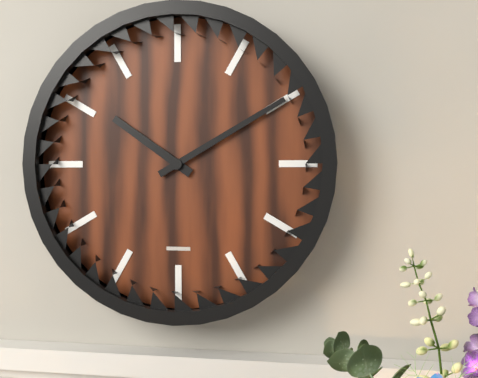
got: 10h10
